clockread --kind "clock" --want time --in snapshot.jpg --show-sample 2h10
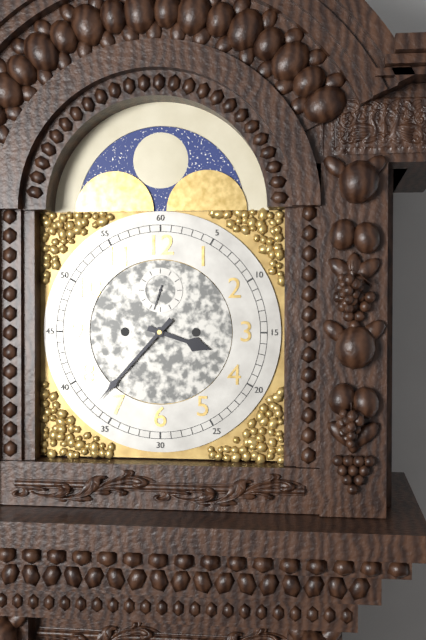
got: 3h37
